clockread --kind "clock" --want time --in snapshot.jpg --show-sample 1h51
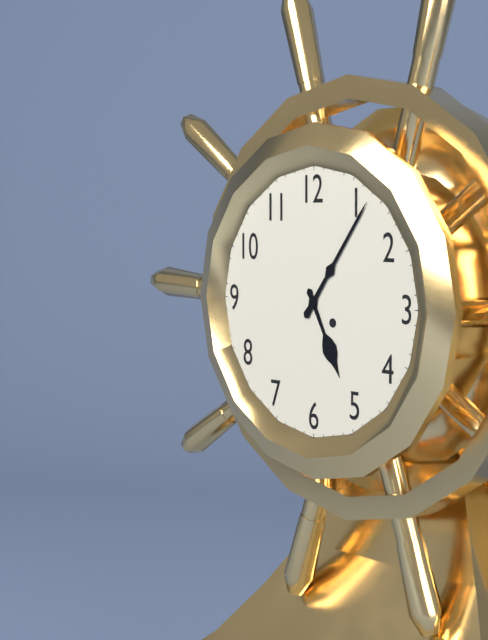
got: 5h06
